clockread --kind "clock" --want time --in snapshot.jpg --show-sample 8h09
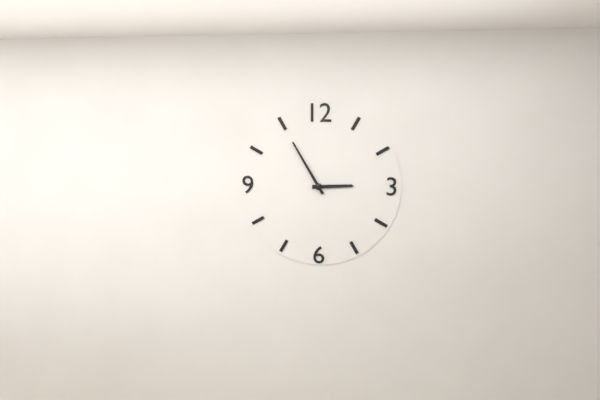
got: 2h55
